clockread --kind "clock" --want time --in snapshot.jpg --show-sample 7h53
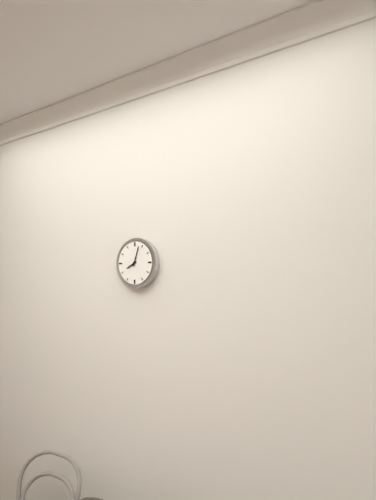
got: 8h03
